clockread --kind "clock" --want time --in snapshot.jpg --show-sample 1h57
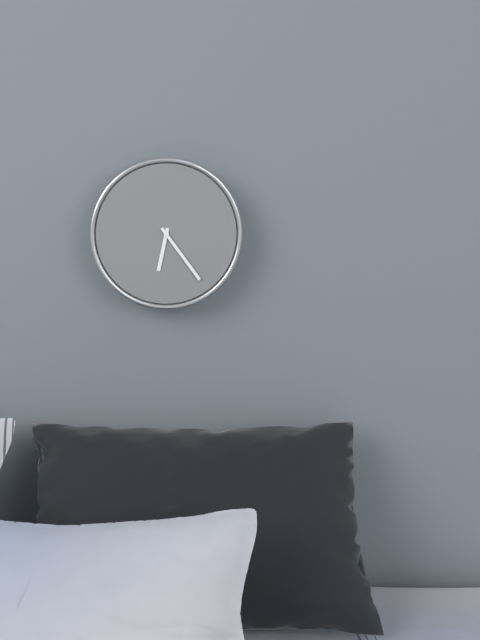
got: 6h24
